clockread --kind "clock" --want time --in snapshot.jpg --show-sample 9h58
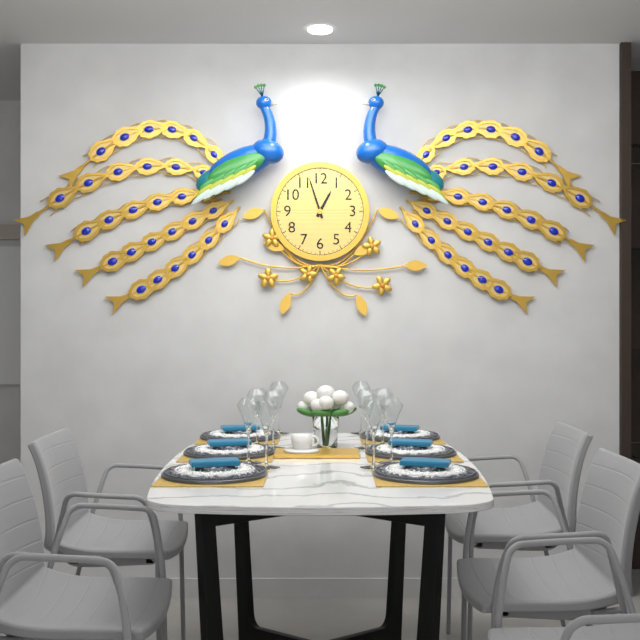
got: 12h57
